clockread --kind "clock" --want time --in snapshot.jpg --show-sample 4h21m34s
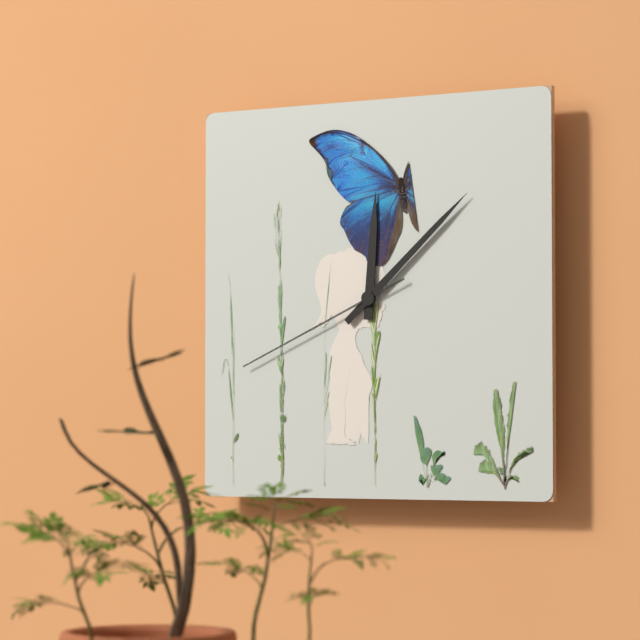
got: 12h08m41s
